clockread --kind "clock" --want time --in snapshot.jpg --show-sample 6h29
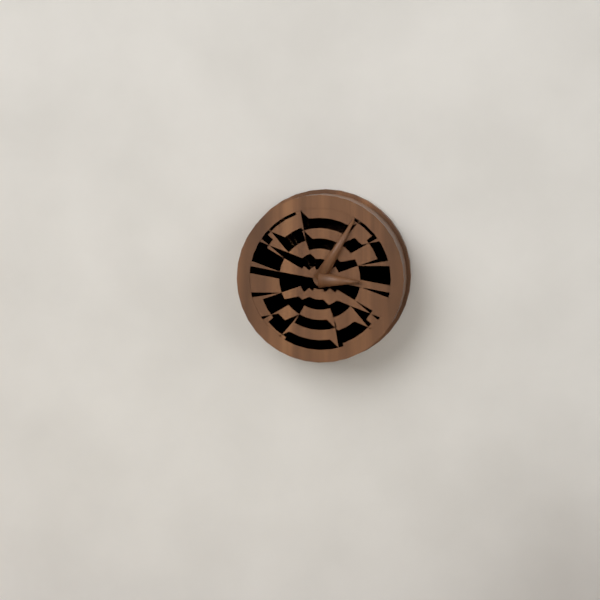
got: 3h05
